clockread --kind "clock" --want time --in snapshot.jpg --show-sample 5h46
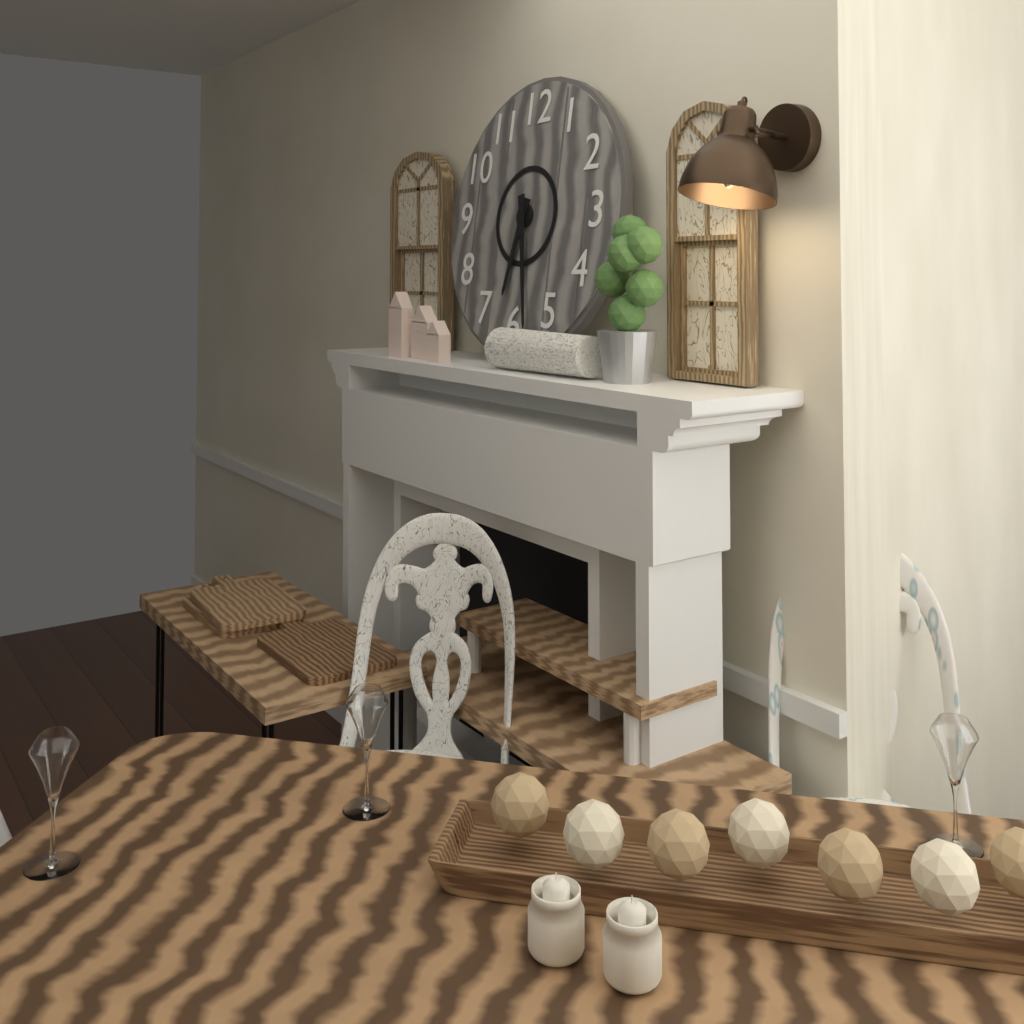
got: 6h28
